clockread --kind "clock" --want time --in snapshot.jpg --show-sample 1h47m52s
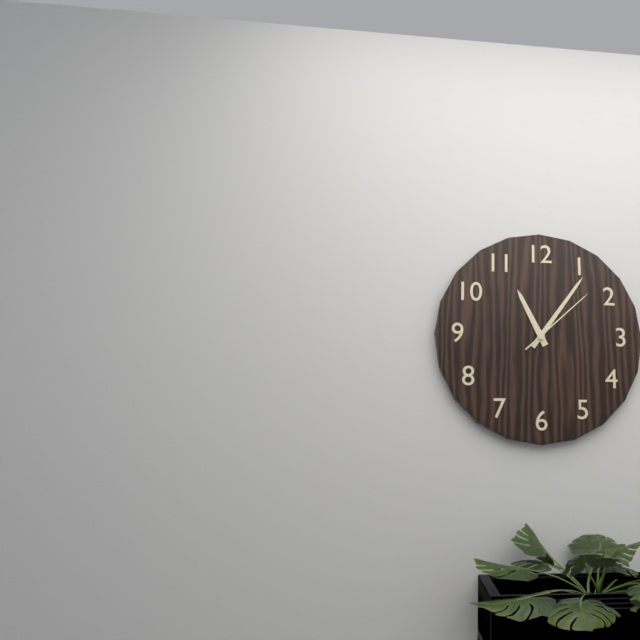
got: 11h06m08s
